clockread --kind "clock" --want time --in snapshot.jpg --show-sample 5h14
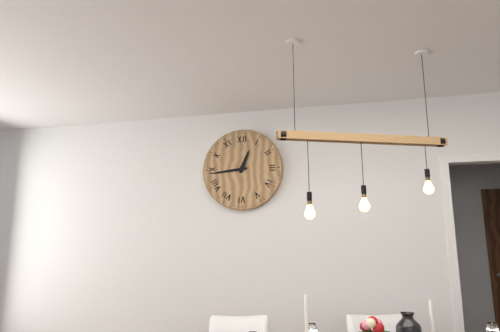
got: 12h44
